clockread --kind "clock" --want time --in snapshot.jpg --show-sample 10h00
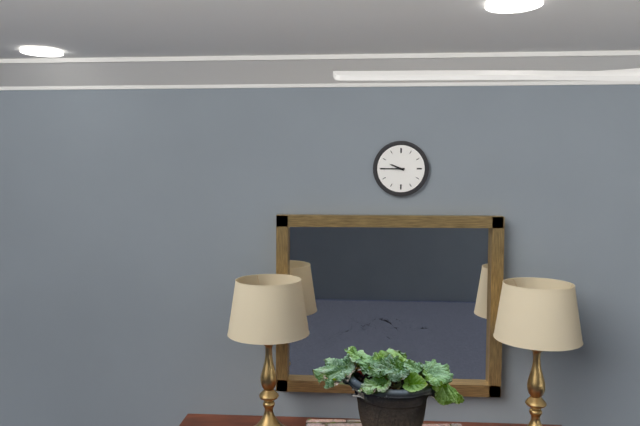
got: 9h45
